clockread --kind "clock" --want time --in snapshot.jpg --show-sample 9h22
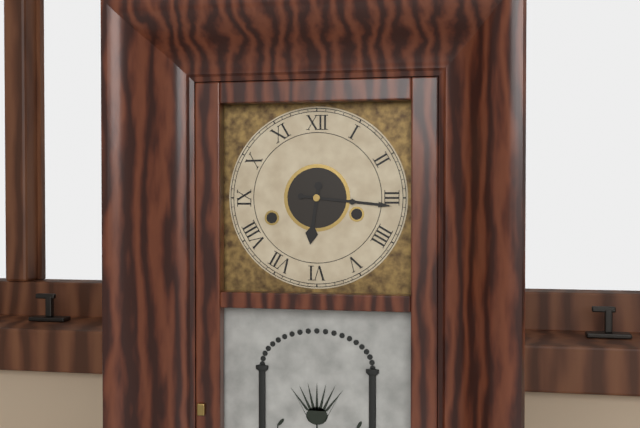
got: 6h16
